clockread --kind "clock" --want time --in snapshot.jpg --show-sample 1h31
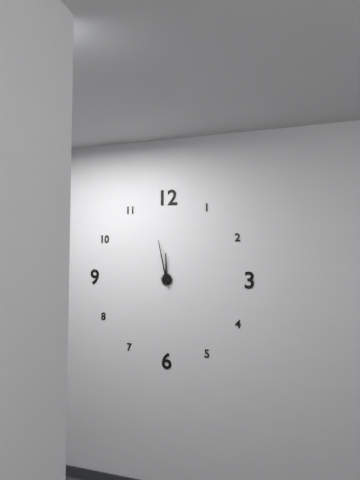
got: 11h58
